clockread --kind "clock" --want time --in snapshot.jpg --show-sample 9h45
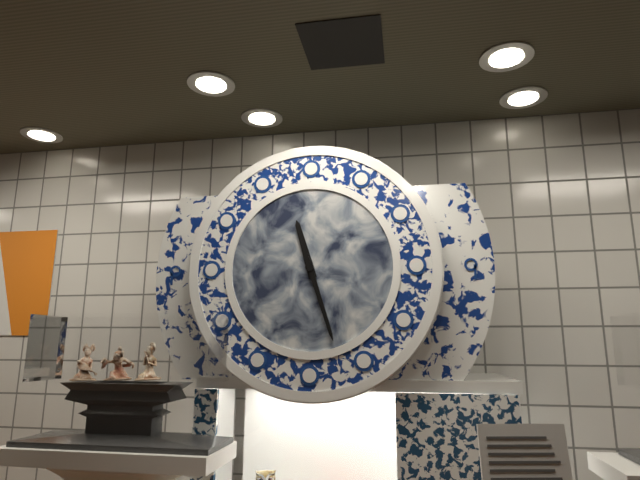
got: 11h27
